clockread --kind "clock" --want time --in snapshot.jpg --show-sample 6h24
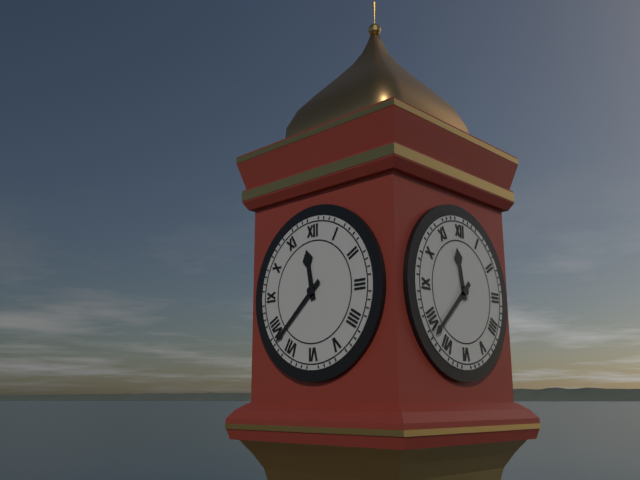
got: 11h38
